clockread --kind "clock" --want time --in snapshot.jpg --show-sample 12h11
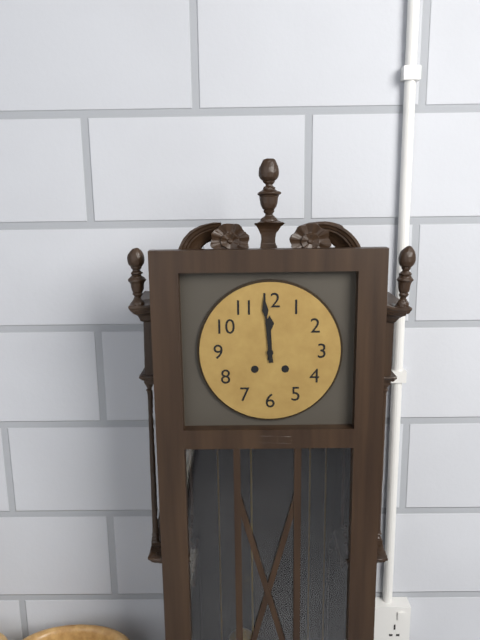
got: 11h59
